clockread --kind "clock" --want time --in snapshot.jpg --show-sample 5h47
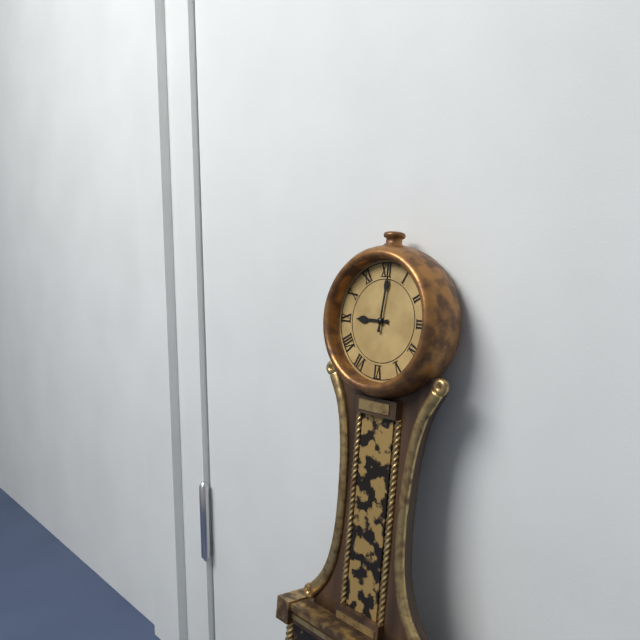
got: 9h01
